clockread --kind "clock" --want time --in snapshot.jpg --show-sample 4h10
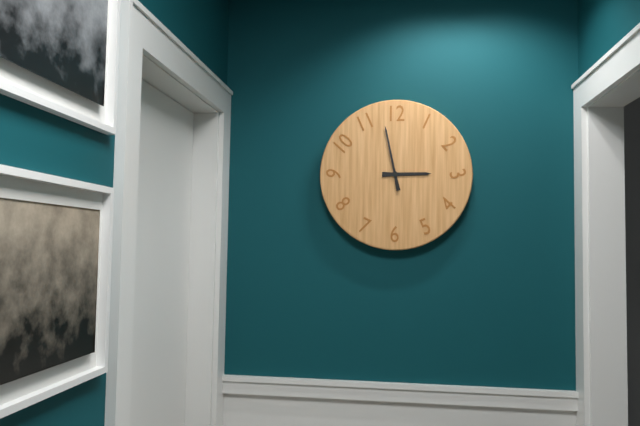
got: 2h58
